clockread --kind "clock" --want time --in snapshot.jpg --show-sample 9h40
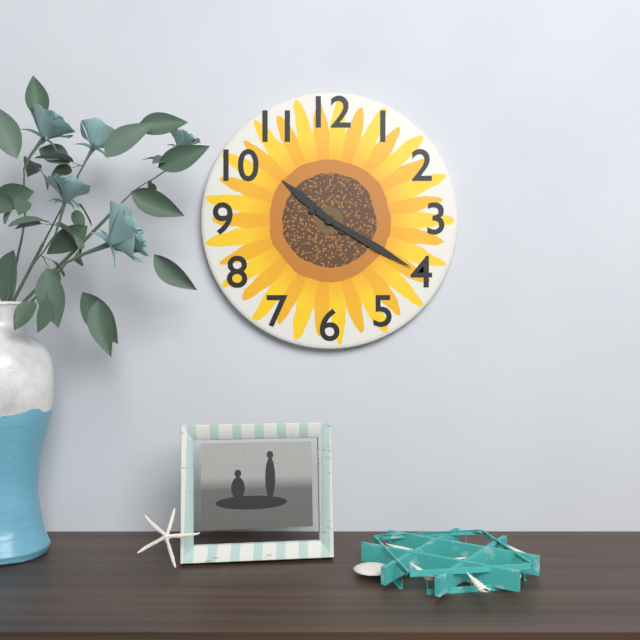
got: 10h20
